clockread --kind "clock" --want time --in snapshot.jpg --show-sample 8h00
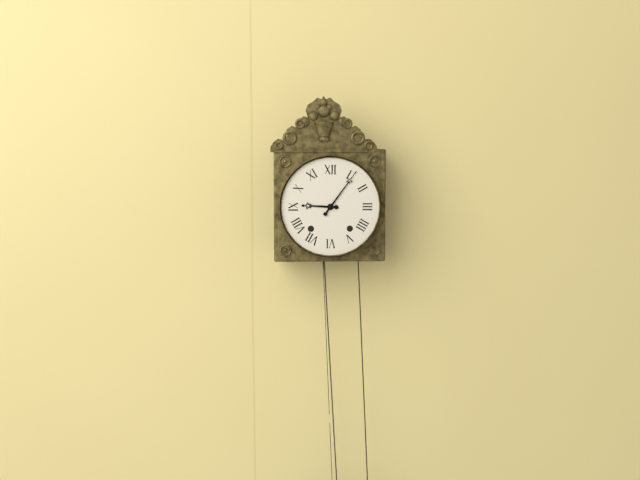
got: 9h06
